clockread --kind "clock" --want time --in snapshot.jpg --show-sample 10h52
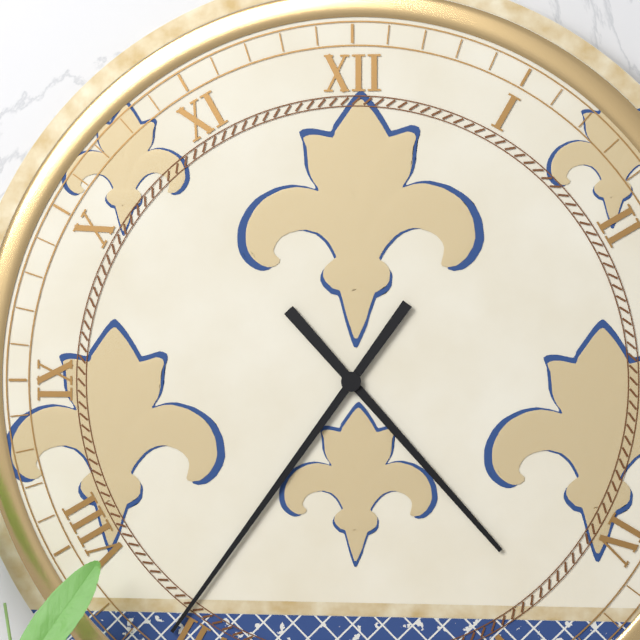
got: 4h36
